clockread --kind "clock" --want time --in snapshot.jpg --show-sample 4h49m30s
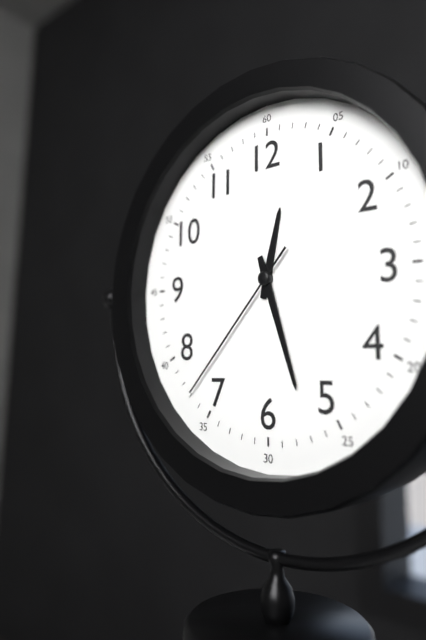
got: 12h27m37s
